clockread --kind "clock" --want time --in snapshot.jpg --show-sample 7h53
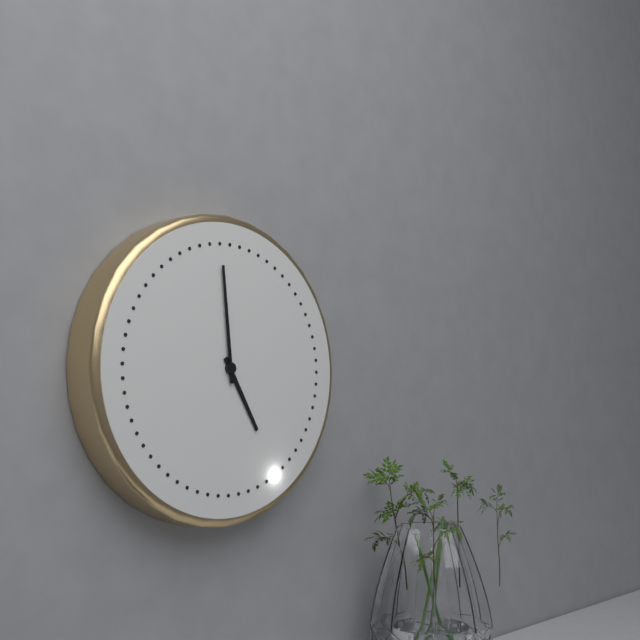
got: 4h59
